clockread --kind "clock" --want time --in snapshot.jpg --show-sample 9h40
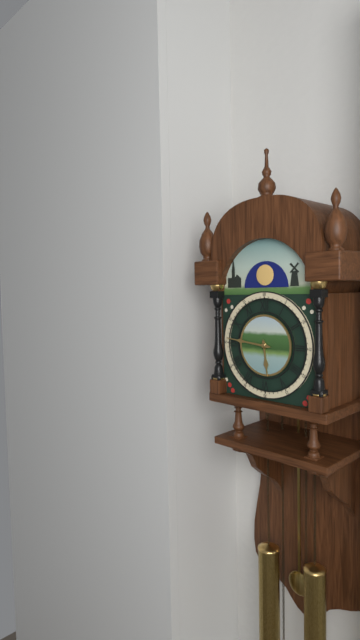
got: 5h46
